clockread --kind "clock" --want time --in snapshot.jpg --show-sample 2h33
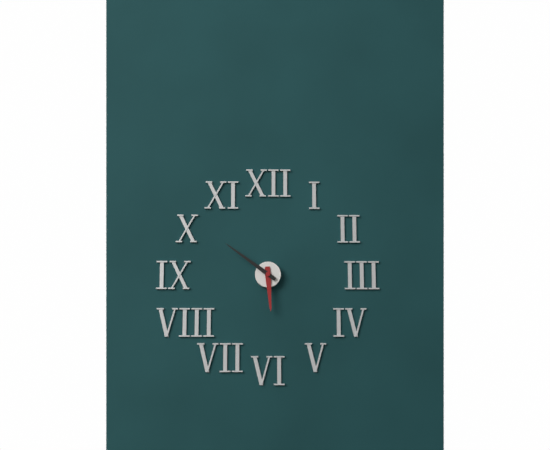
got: 5h51
